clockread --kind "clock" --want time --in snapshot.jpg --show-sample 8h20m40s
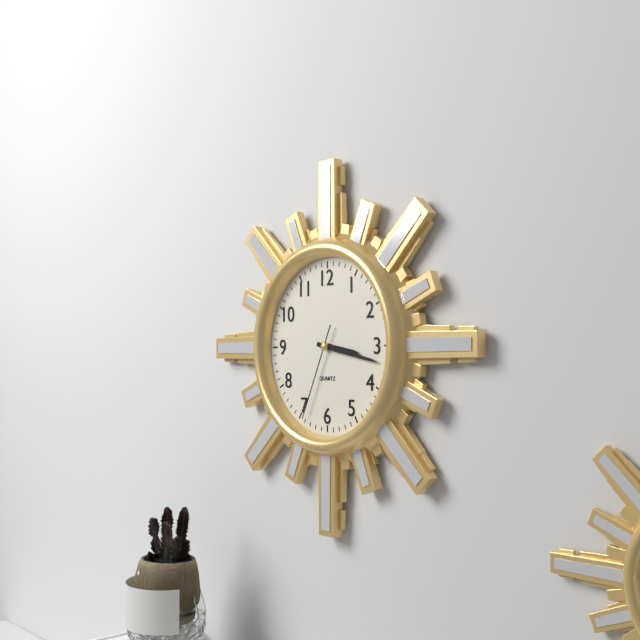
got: 3h17m34s
